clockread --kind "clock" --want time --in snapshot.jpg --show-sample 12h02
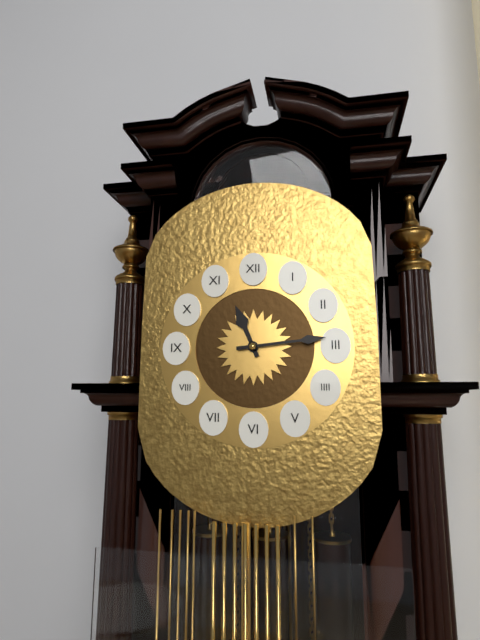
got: 11h14
